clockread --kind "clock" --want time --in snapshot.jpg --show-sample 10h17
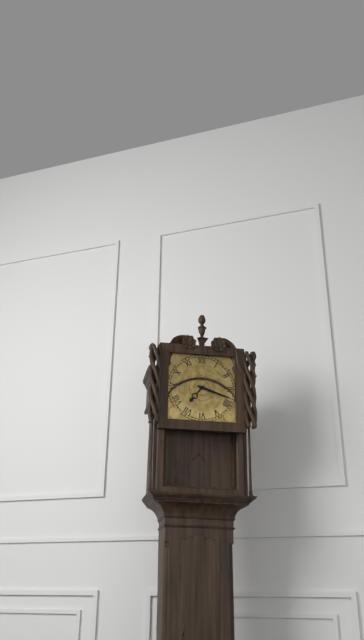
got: 7h18
